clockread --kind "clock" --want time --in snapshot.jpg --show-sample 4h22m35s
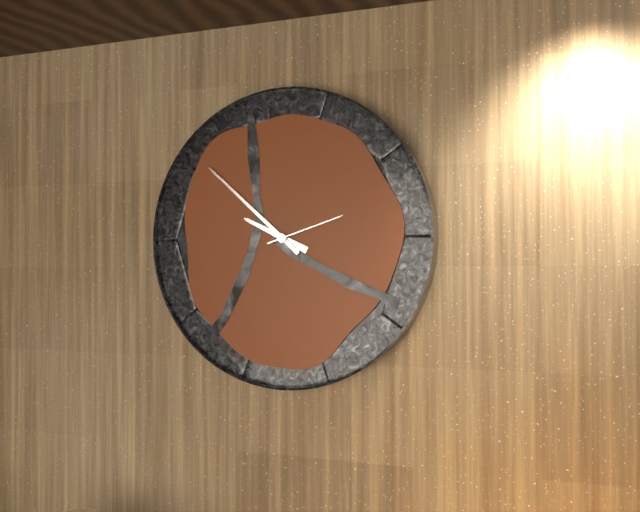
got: 9h52m12s
